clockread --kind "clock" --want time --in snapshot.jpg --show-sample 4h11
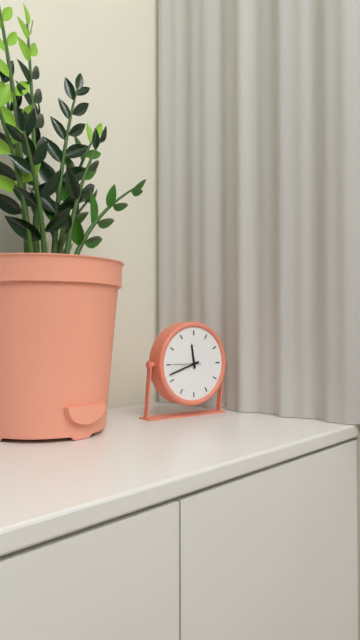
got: 11h42
